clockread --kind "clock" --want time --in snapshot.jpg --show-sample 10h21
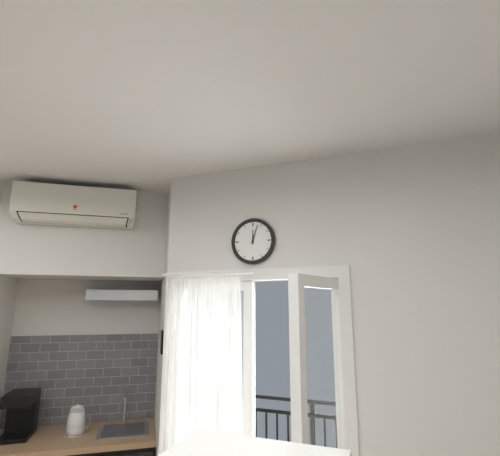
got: 12h03
